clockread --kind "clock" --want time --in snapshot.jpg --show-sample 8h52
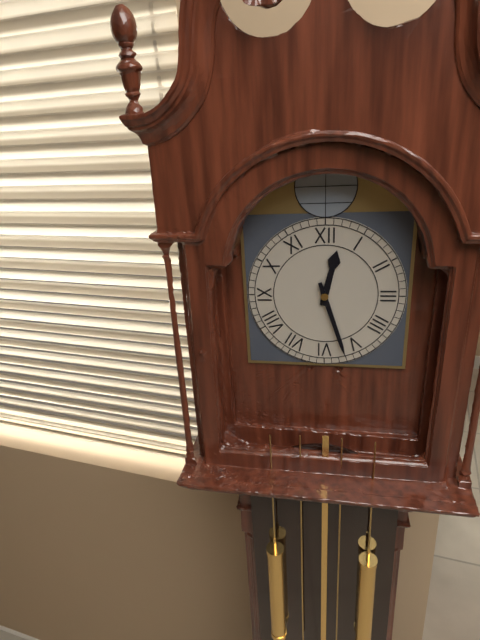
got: 12h27
